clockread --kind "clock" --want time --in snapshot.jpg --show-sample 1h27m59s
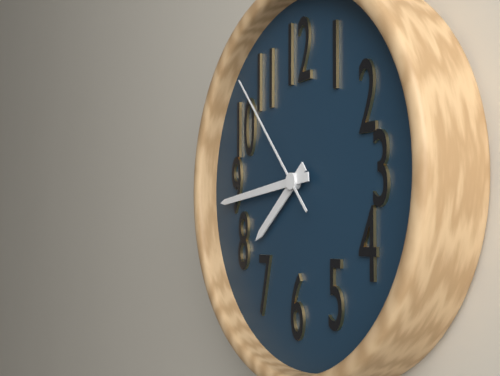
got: 7h44m53s
